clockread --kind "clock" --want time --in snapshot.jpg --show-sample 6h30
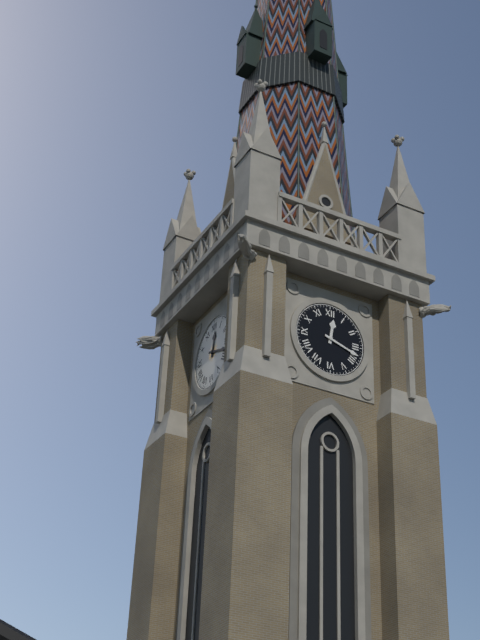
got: 12h18
